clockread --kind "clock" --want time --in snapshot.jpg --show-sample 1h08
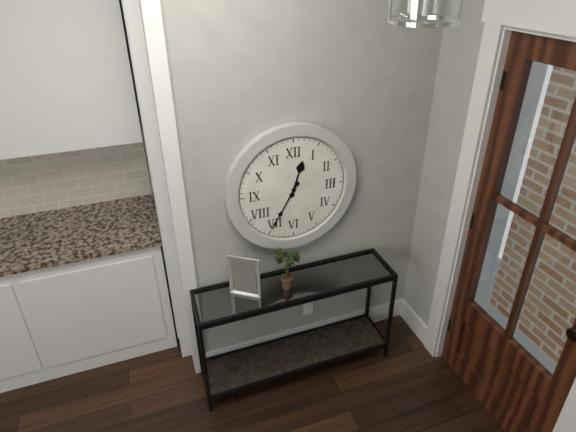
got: 12h35
